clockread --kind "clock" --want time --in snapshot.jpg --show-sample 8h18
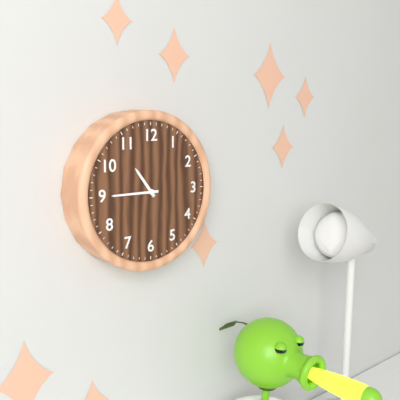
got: 10h45
